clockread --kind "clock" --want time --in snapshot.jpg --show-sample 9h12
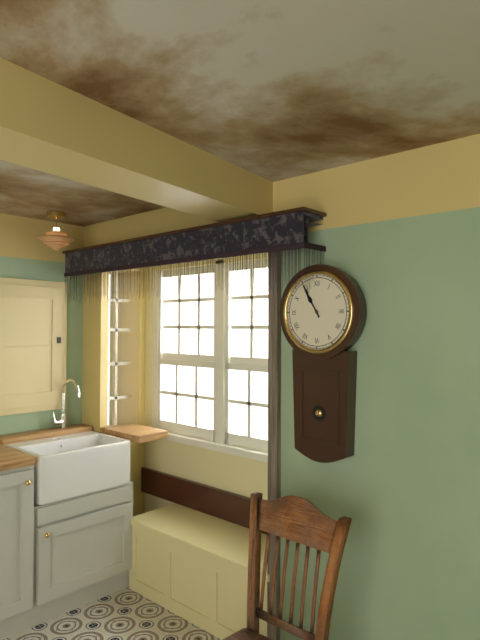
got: 10h55
